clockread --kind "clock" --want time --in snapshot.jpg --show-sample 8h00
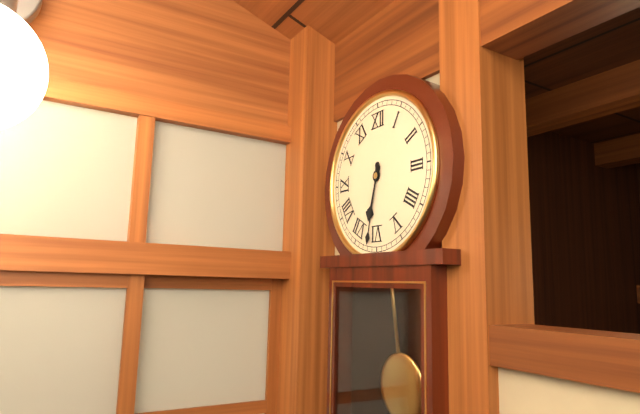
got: 6h32
